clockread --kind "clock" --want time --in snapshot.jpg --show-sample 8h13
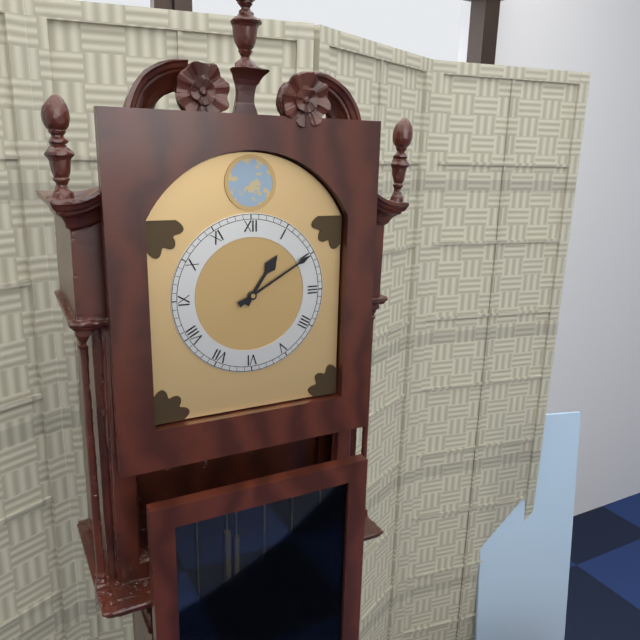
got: 1h10
